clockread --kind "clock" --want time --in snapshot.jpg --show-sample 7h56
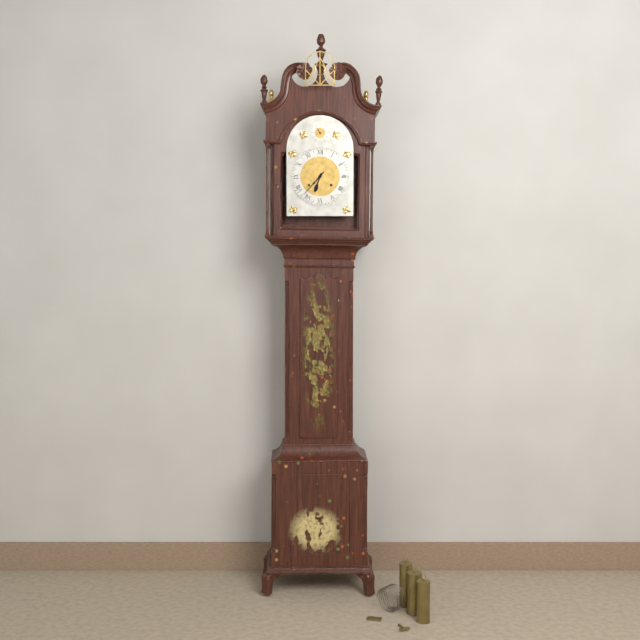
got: 6h37
